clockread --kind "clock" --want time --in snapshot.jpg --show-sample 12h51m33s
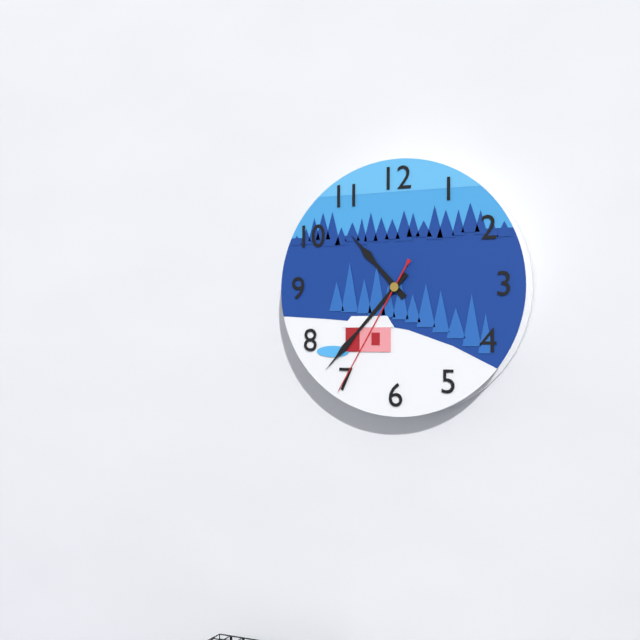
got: 10h37m35s
